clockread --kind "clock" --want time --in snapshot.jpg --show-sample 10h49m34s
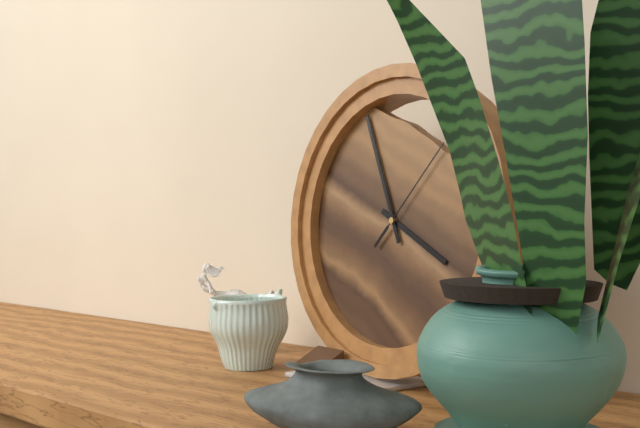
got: 3h56m07s
